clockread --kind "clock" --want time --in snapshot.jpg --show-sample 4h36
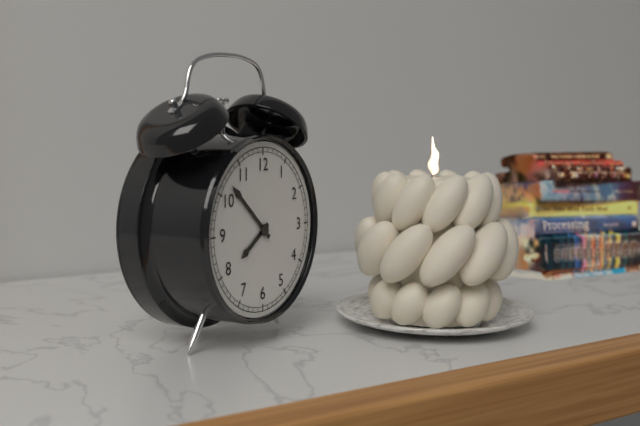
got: 7h52
